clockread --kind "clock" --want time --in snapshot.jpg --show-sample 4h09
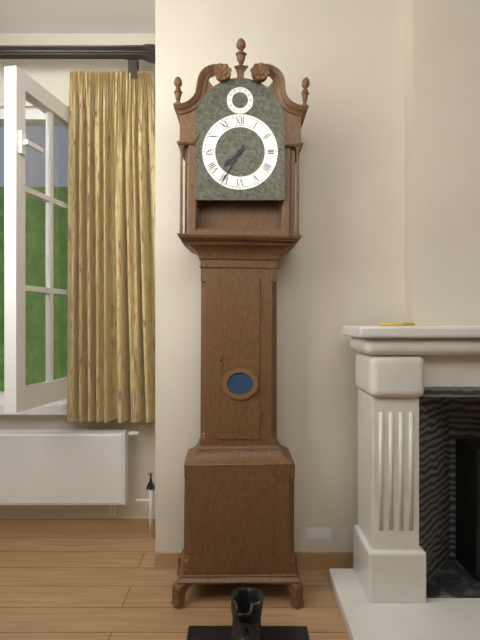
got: 7h35
